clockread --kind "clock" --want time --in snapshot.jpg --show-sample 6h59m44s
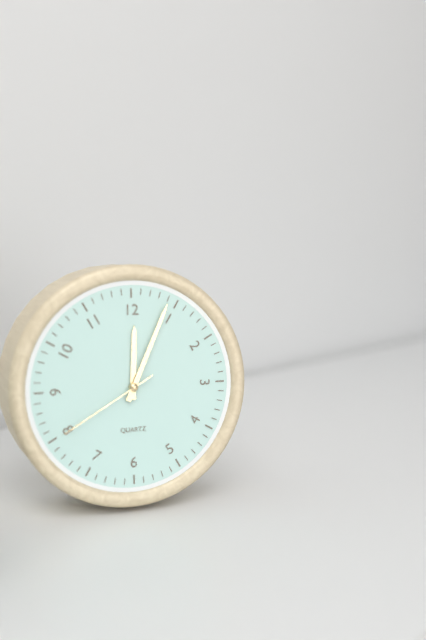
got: 12h04m40s
